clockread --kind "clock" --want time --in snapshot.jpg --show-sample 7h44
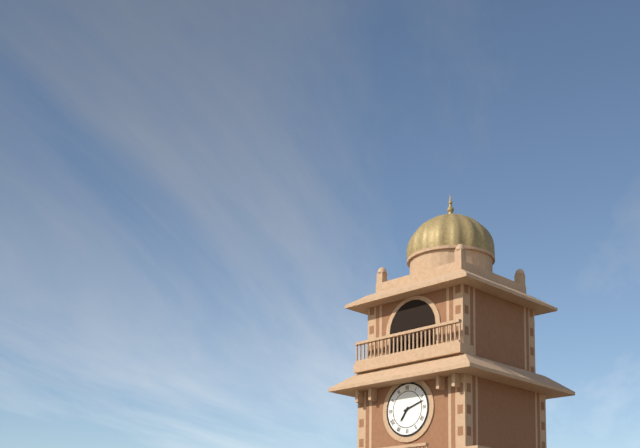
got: 7h12
